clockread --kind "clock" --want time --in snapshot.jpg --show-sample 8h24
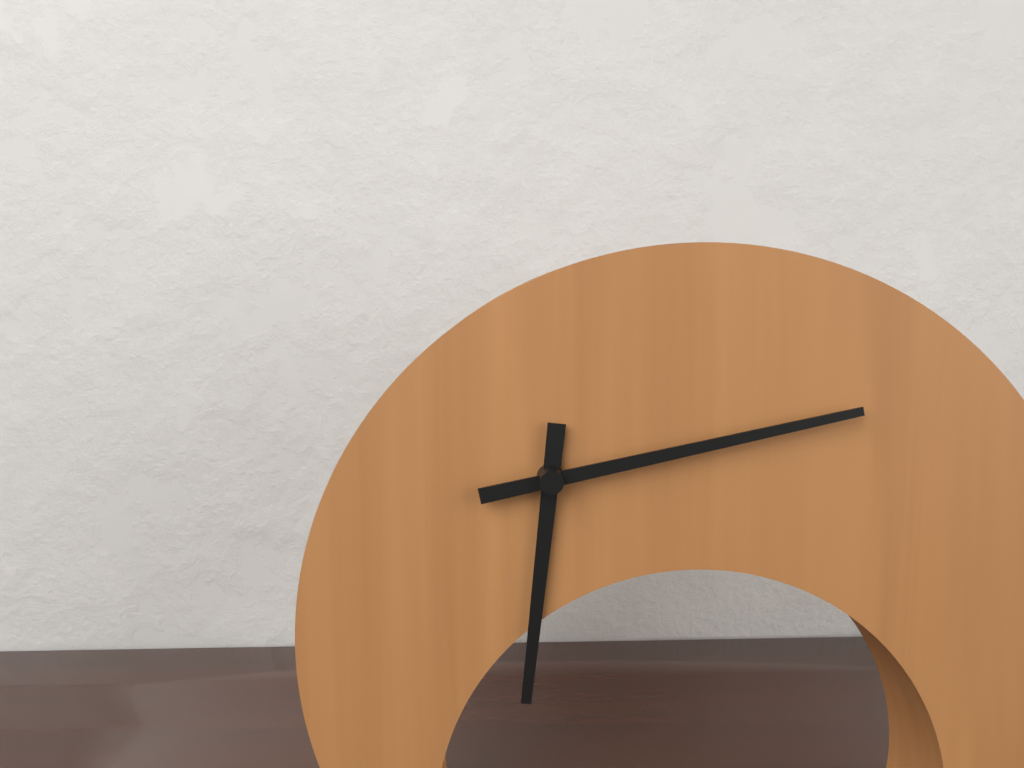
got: 6h13
